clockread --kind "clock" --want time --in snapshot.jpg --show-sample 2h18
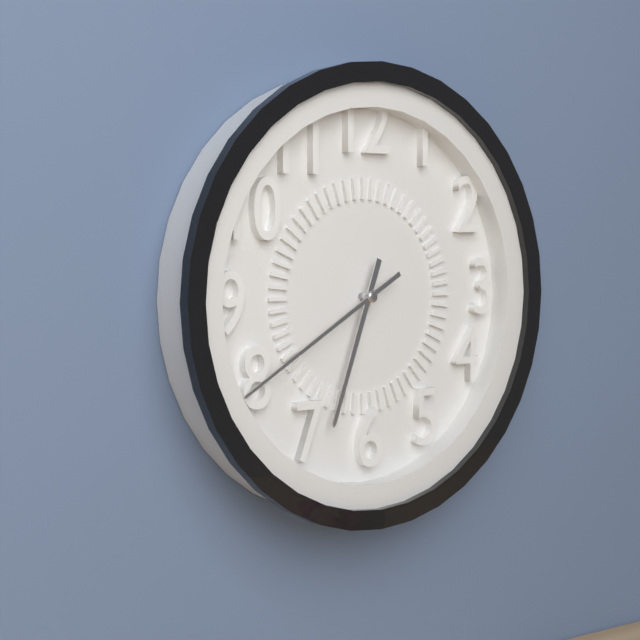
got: 6h40
